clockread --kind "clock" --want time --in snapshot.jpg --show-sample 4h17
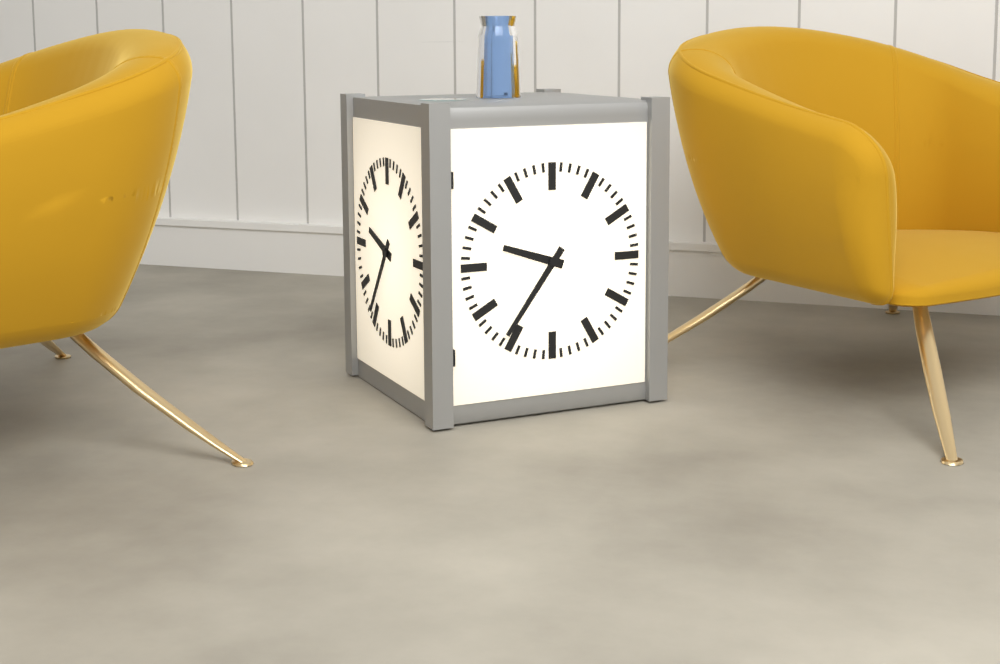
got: 9h36
